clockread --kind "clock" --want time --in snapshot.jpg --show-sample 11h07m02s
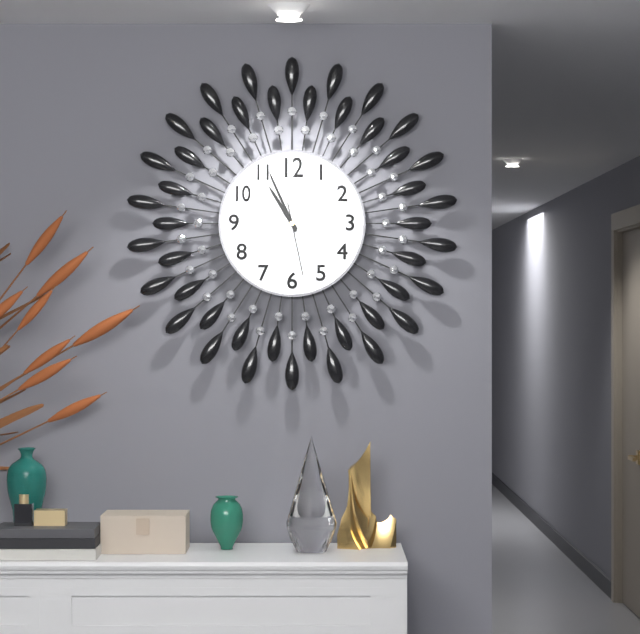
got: 10h56m28s
